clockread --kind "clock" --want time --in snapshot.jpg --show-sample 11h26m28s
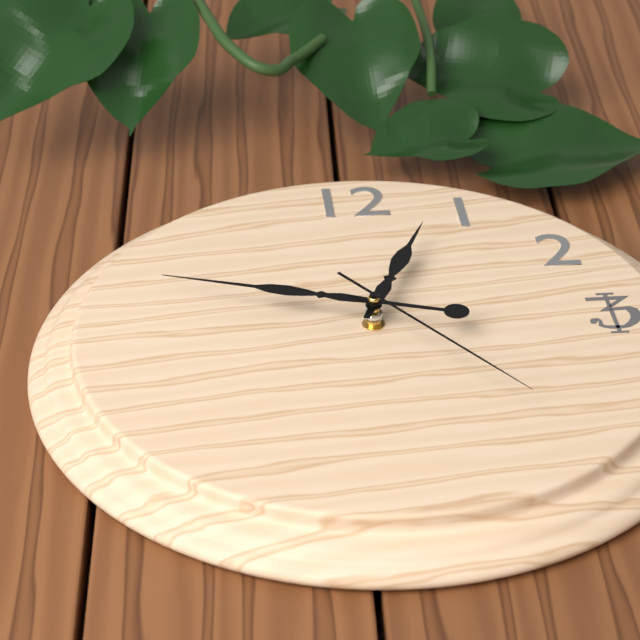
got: 12h48m24s
